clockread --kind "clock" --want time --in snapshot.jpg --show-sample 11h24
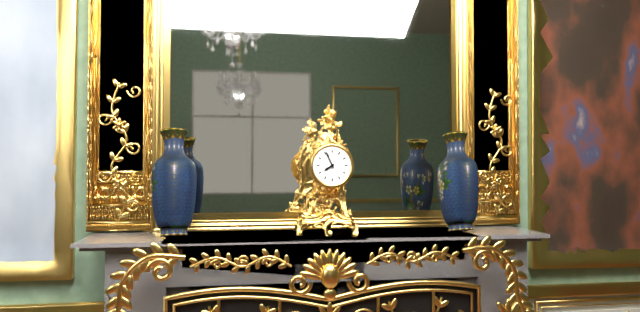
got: 7h56
